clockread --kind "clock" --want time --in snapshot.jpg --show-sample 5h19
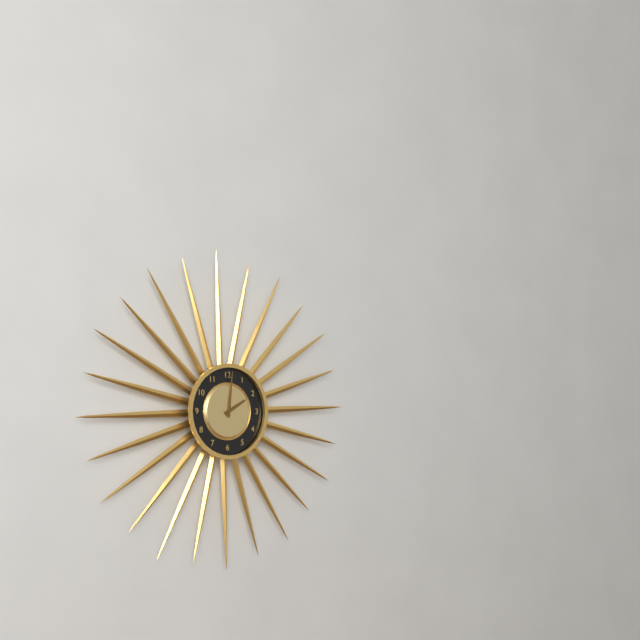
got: 2h01
